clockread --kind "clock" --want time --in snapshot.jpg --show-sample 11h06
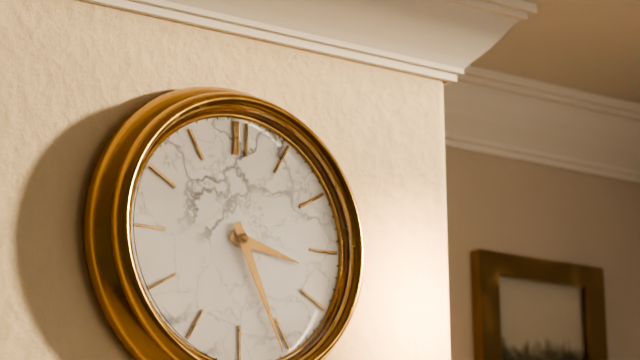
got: 3h26
